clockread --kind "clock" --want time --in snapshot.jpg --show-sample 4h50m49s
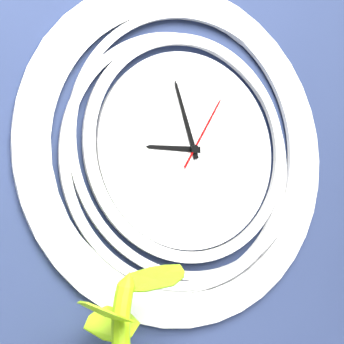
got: 8h57m05s
